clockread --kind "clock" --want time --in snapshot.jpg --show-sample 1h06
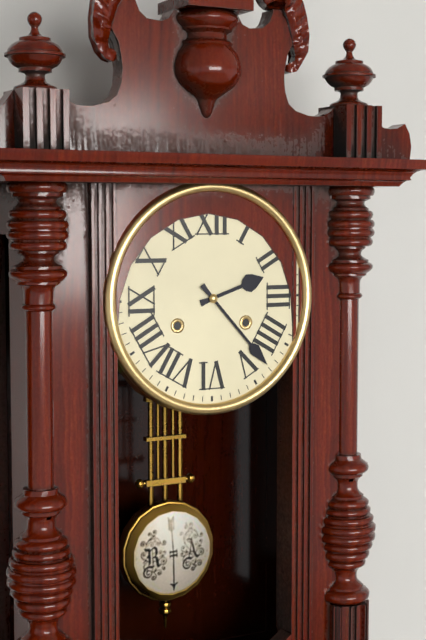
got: 2h23
